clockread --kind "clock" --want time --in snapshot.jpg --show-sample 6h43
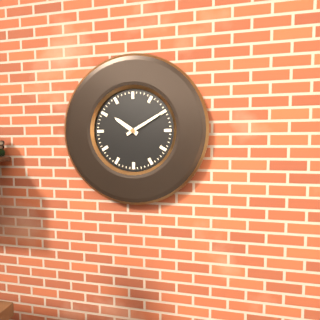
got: 10h10
